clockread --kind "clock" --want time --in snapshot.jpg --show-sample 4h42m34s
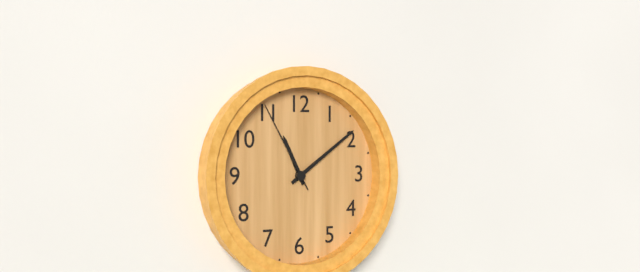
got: 11h09m55s
